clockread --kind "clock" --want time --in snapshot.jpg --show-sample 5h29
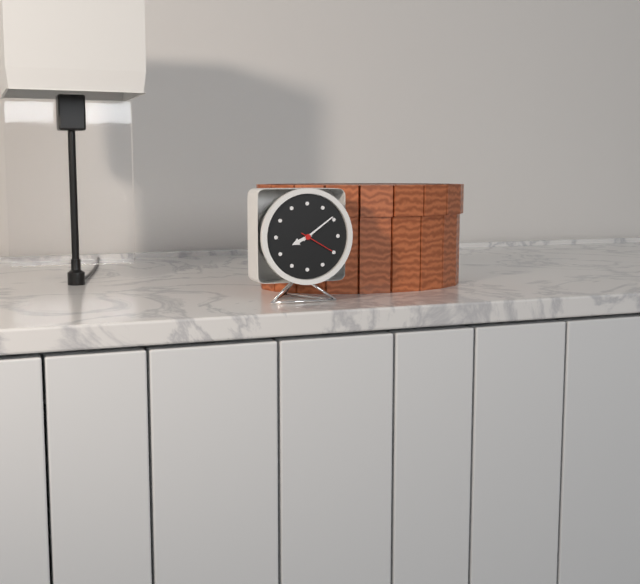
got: 8h09
